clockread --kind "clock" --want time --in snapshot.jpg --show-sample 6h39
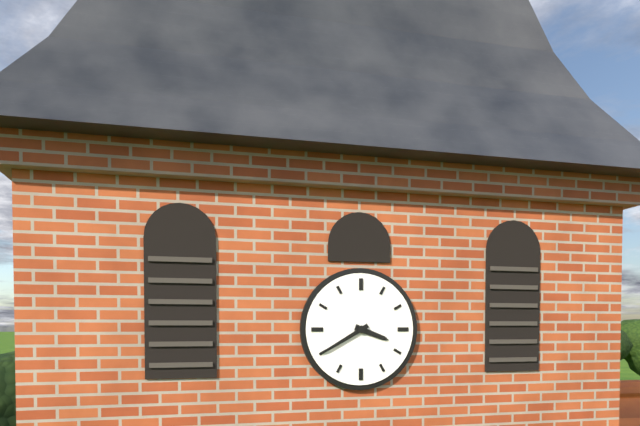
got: 3h40
